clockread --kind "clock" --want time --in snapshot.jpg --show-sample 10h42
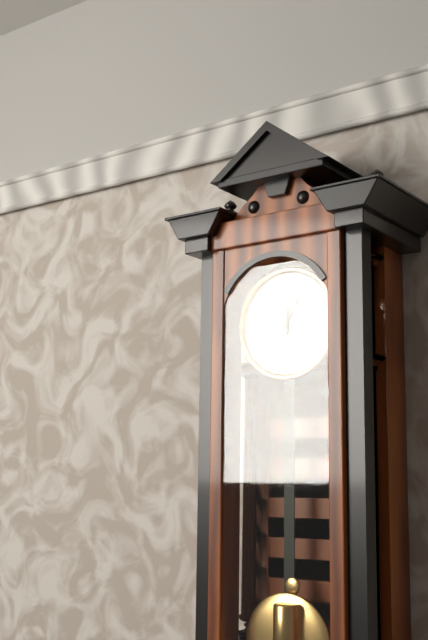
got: 1h00
